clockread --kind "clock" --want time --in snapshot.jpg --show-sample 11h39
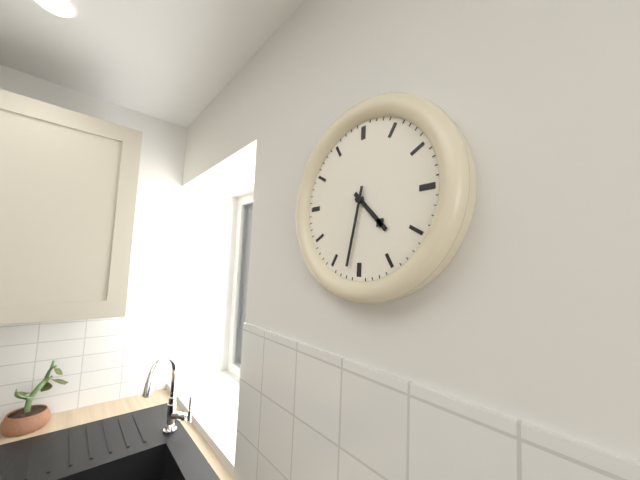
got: 4h32
